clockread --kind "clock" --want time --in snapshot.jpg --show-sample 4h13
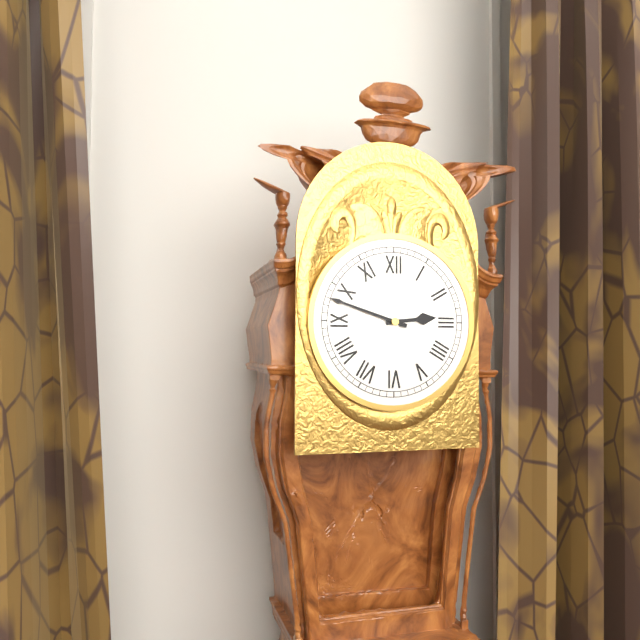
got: 2h48
